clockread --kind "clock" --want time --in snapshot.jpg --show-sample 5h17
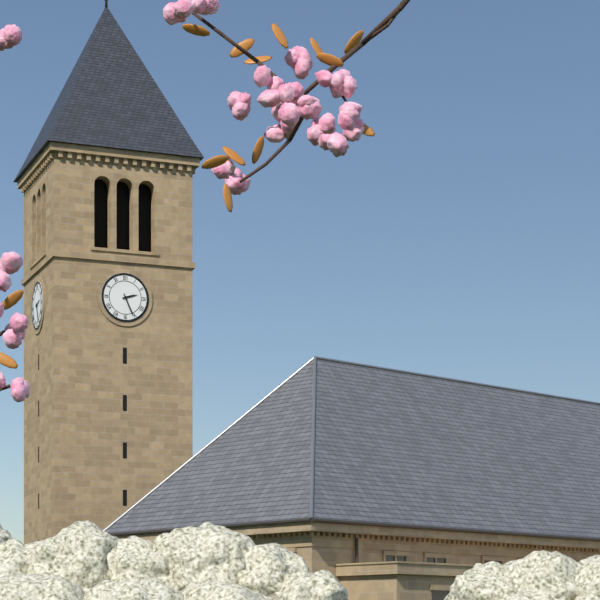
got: 2h26
